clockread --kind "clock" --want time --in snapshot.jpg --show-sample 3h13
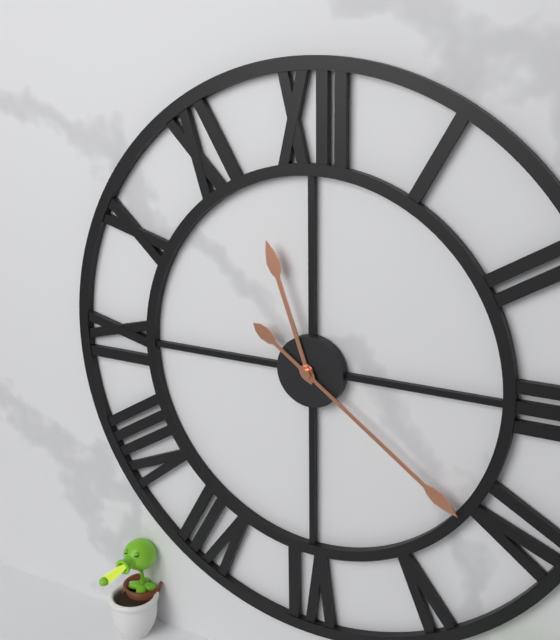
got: 11h21
